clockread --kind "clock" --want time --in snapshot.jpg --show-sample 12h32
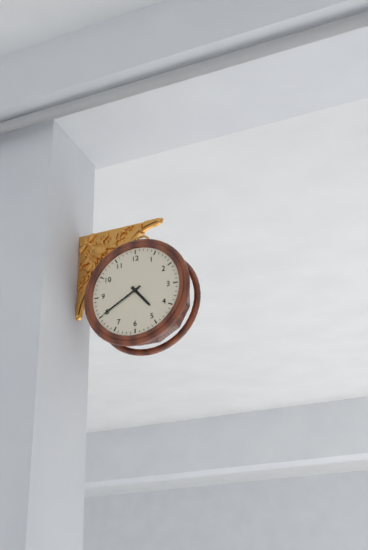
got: 4h40
